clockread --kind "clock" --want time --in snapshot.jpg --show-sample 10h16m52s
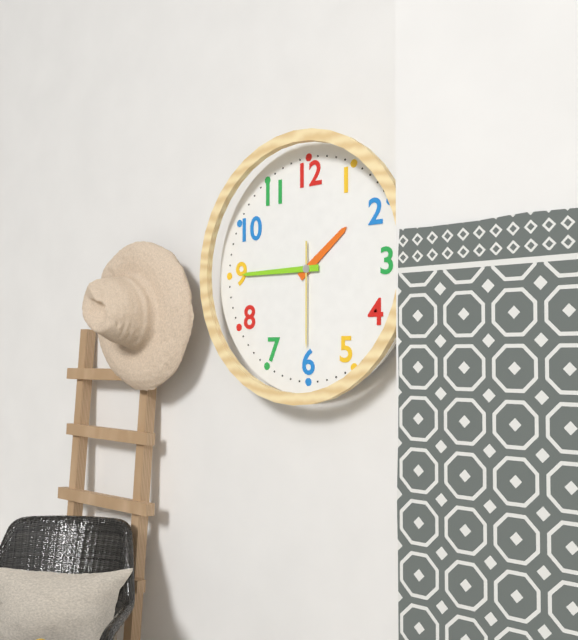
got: 1h45m30s
